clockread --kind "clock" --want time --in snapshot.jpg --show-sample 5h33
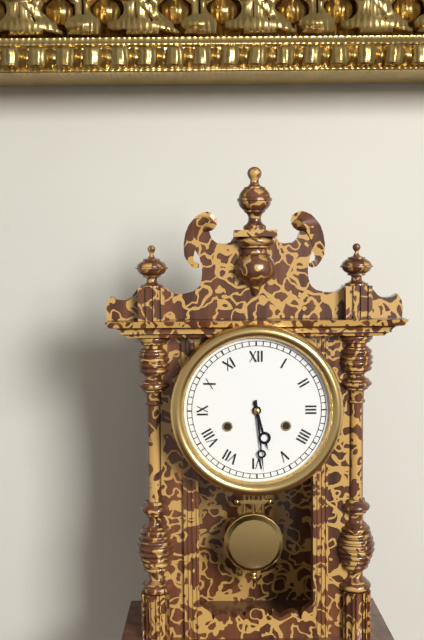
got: 5h29
